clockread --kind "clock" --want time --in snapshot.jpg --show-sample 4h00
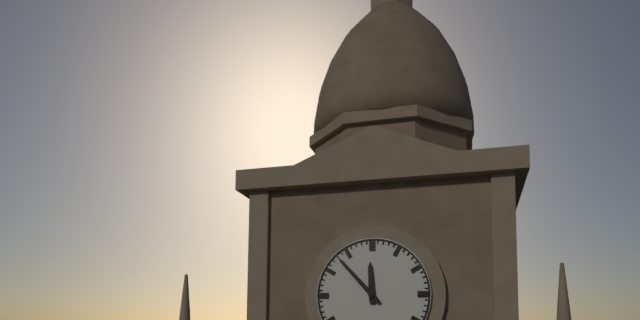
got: 11h53
